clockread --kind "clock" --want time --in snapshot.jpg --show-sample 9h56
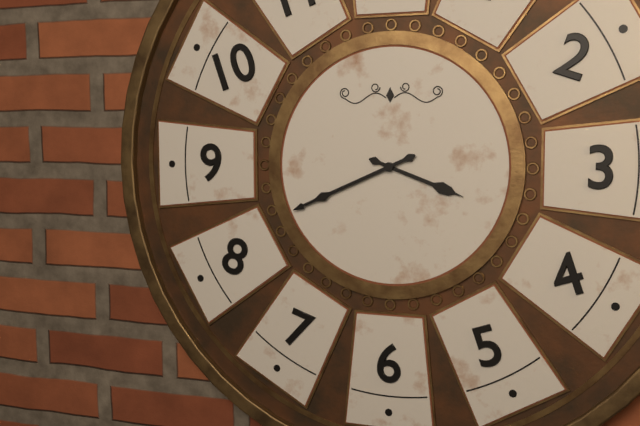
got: 3h41
